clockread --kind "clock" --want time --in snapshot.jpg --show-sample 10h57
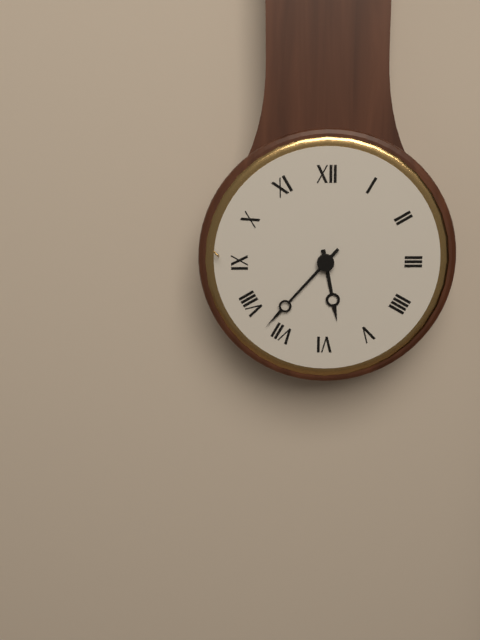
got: 5h37
